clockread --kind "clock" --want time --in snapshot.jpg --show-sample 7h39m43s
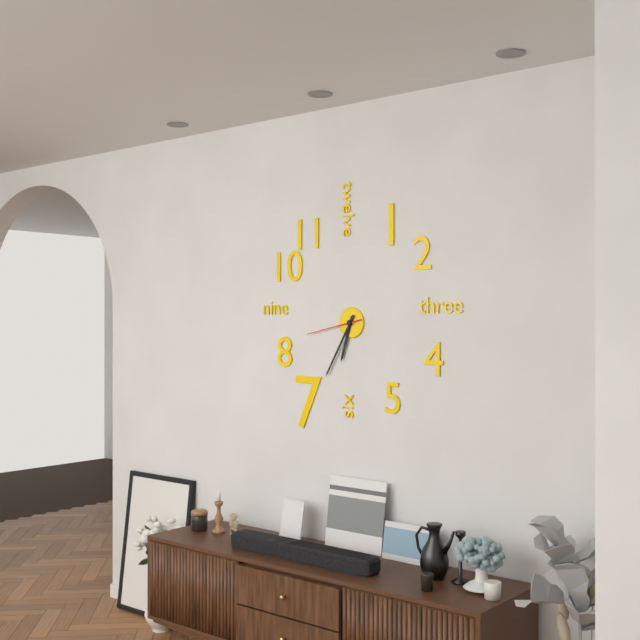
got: 6h35m43s
